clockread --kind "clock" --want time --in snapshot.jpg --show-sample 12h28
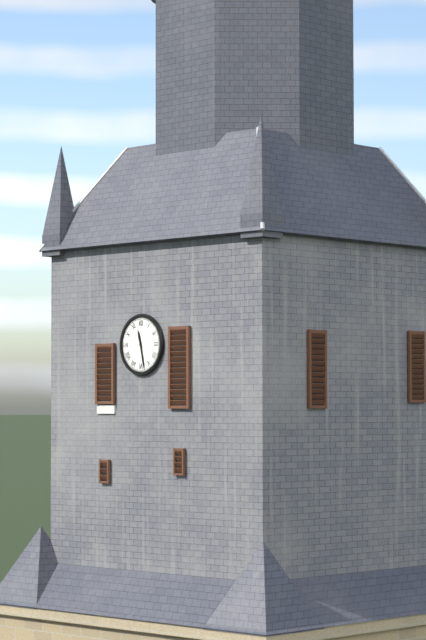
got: 11h28
